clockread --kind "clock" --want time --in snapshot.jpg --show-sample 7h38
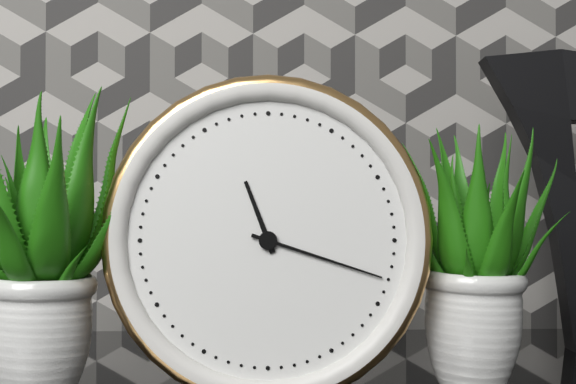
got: 11h18
